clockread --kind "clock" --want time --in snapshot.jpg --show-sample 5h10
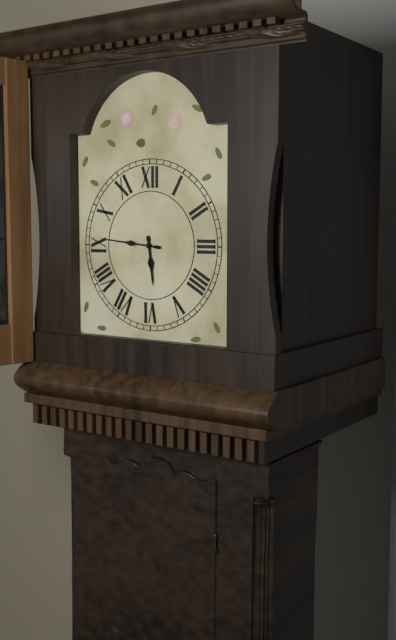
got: 5h46
